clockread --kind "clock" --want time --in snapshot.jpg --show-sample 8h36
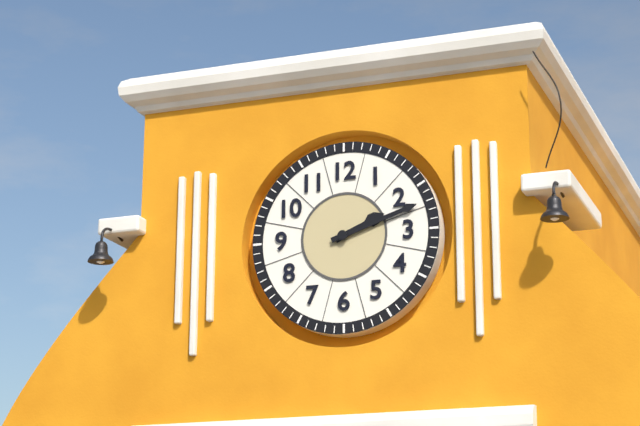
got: 2h12
